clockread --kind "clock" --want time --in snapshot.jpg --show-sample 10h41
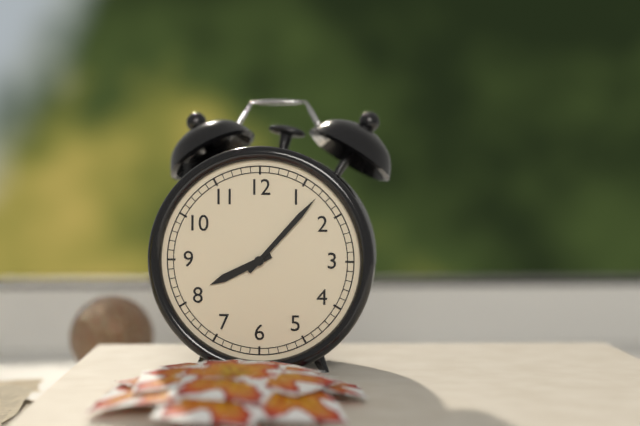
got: 8h07
